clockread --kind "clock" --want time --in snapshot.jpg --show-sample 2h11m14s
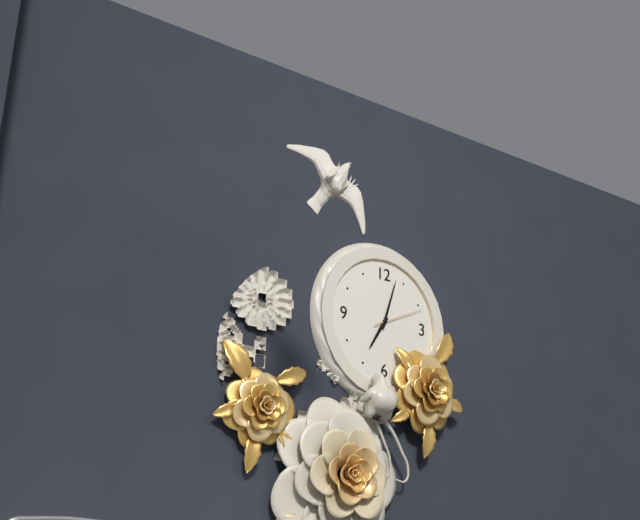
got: 7h03m11s
